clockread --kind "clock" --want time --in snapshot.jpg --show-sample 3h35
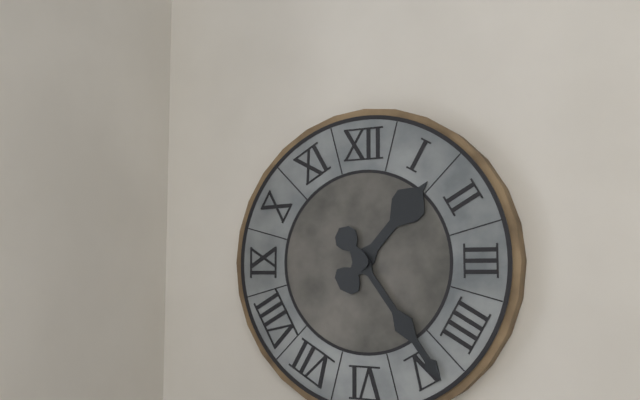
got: 1h24
